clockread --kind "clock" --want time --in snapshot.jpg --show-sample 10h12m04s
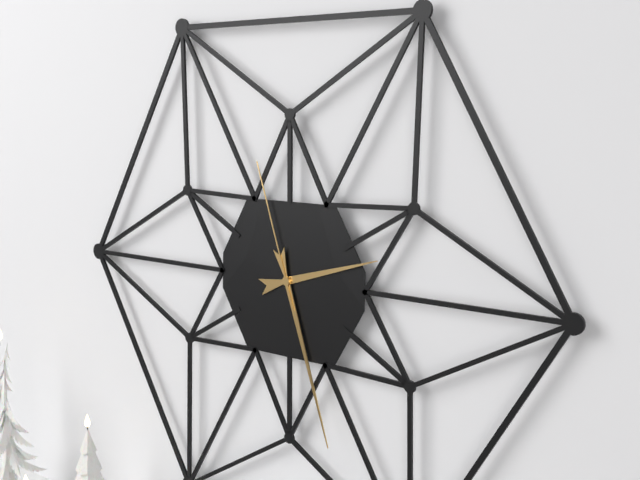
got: 2h27m57s
